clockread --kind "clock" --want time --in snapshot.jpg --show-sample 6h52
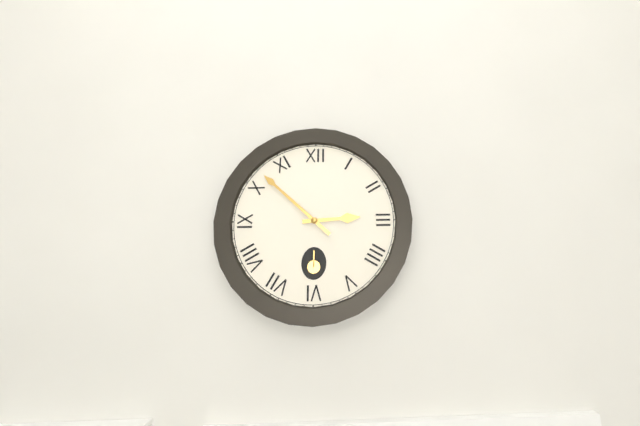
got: 2h52
